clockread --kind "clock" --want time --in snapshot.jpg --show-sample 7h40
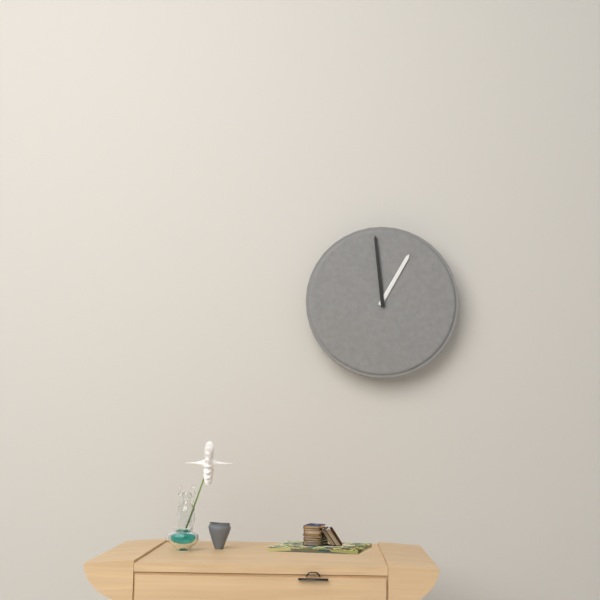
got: 12h59
